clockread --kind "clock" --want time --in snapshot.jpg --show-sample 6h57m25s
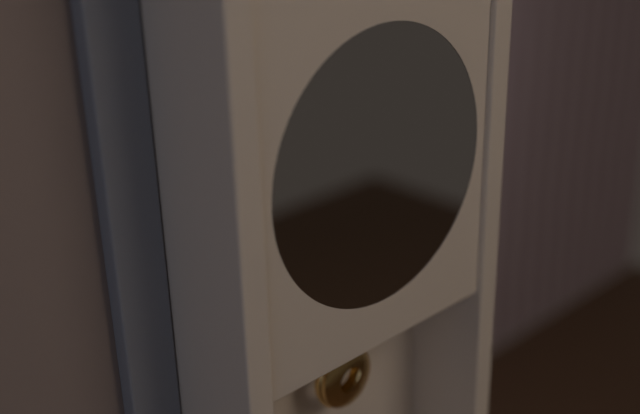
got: 5h34m06s
